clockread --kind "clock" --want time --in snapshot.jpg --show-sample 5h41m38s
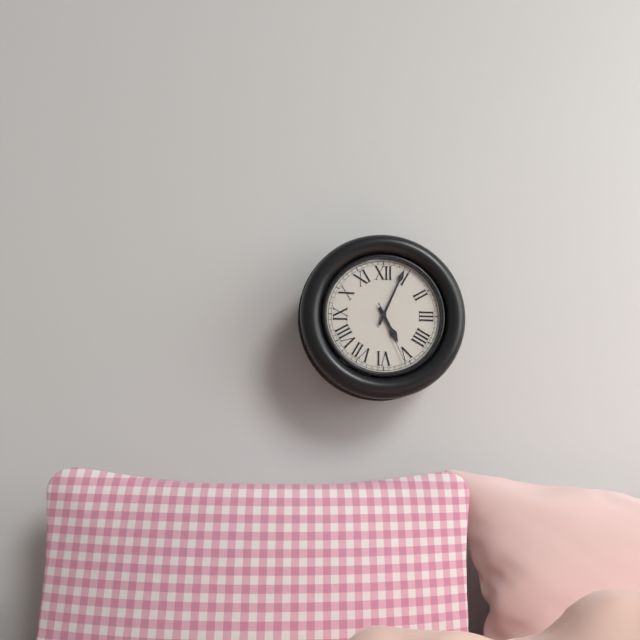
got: 5h04m26s
